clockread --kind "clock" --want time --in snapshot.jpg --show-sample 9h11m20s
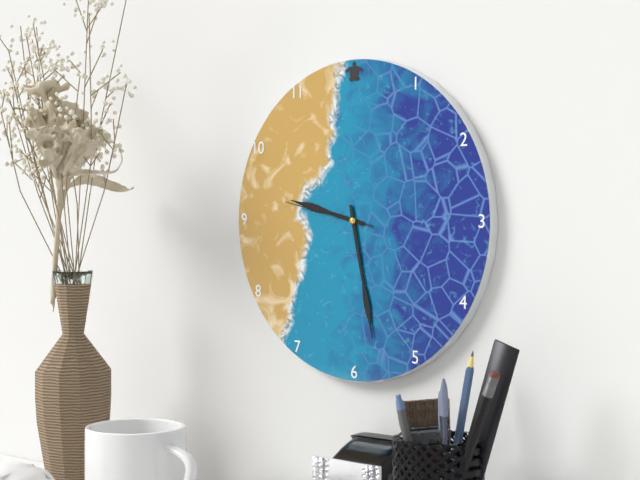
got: 9h28m47s
